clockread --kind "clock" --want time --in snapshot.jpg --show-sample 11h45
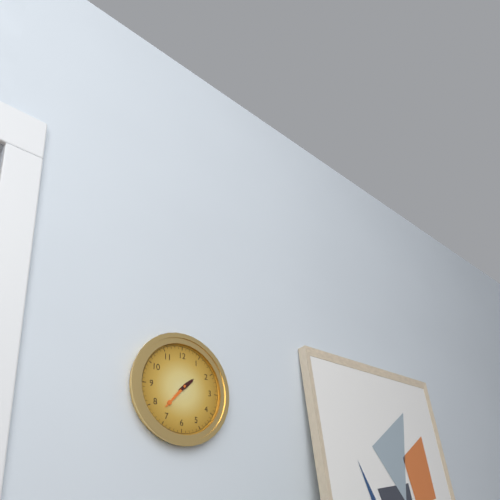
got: 1h37
